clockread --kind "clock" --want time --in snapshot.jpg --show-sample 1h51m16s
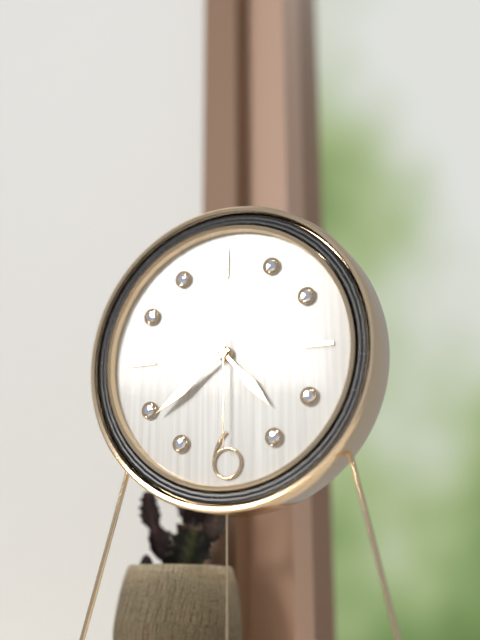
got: 4h39m30s
